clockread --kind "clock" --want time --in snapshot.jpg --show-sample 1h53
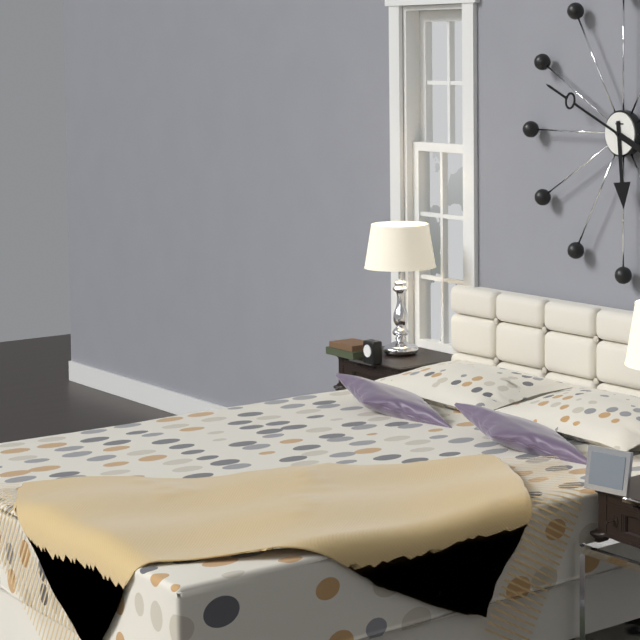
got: 5h49
